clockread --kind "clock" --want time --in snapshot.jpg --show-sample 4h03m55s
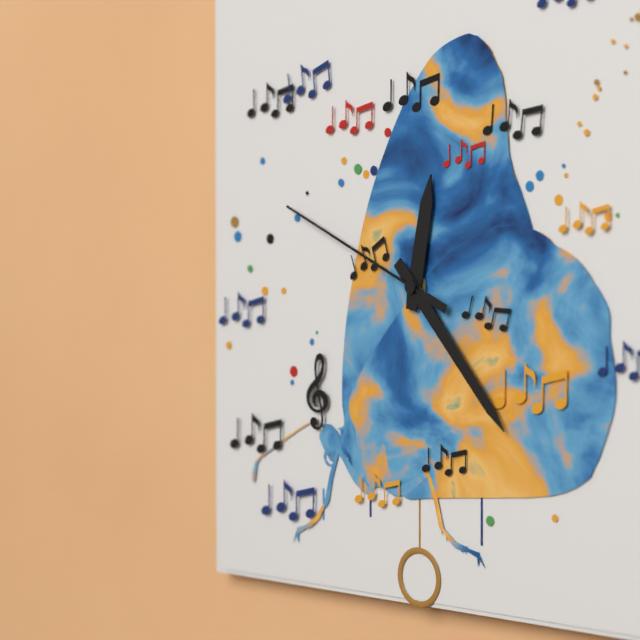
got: 12h23m49s
